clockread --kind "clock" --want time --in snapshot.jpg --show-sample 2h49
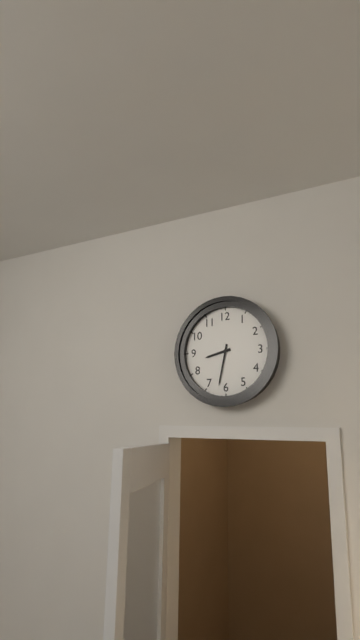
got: 8h32
